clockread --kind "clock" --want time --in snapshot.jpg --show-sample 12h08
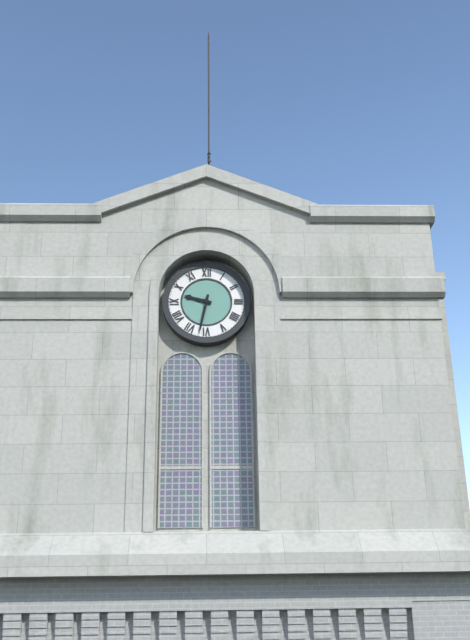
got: 9h32
